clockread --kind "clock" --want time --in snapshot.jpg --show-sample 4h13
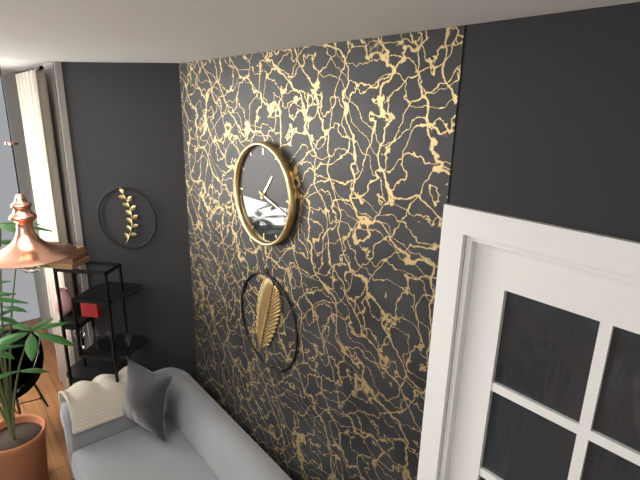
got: 1h18
